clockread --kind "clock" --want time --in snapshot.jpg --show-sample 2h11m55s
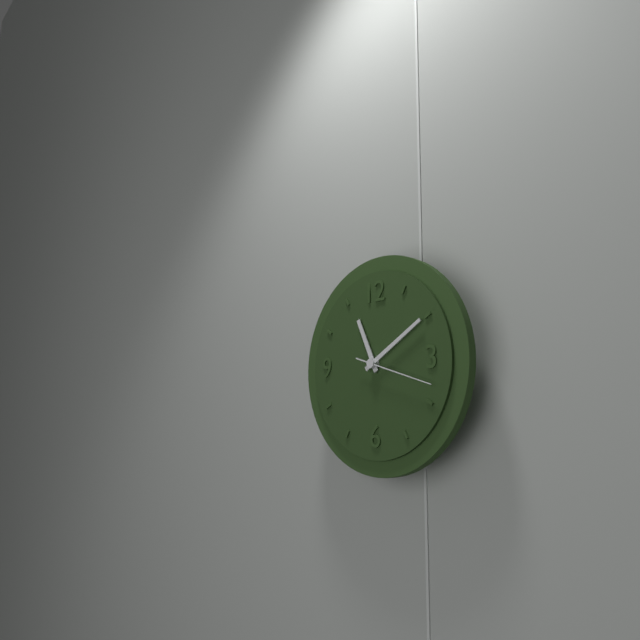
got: 11h10m18s
